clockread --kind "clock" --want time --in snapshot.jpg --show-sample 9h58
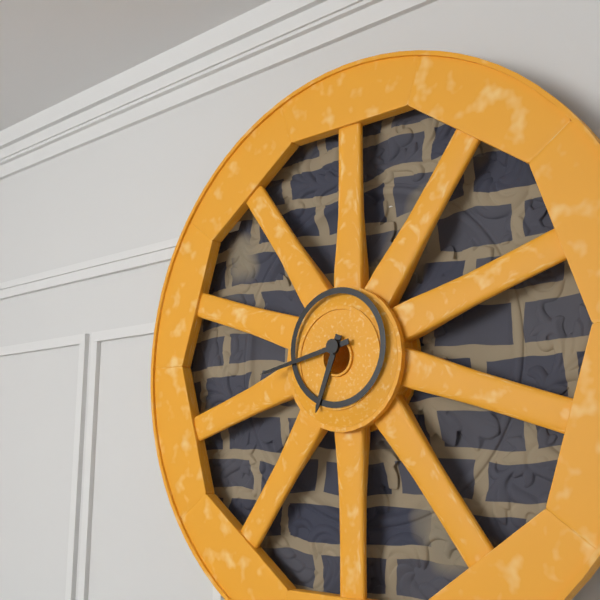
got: 6h43
